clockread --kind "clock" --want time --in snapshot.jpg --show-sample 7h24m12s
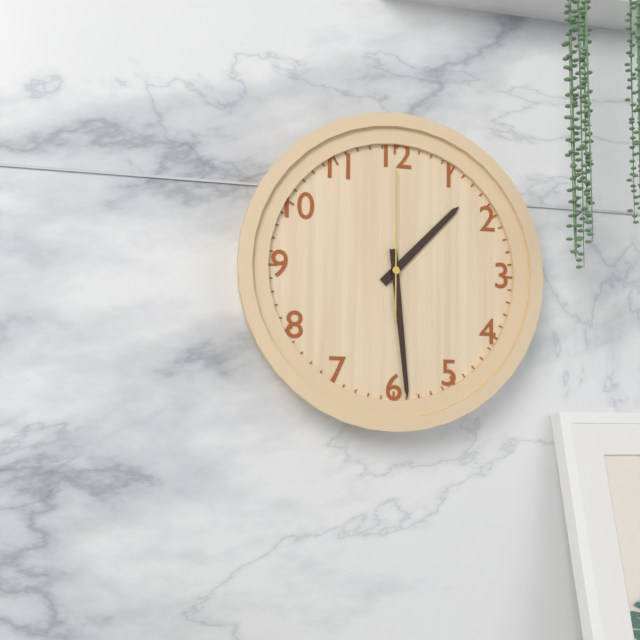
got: 1h29m00s
